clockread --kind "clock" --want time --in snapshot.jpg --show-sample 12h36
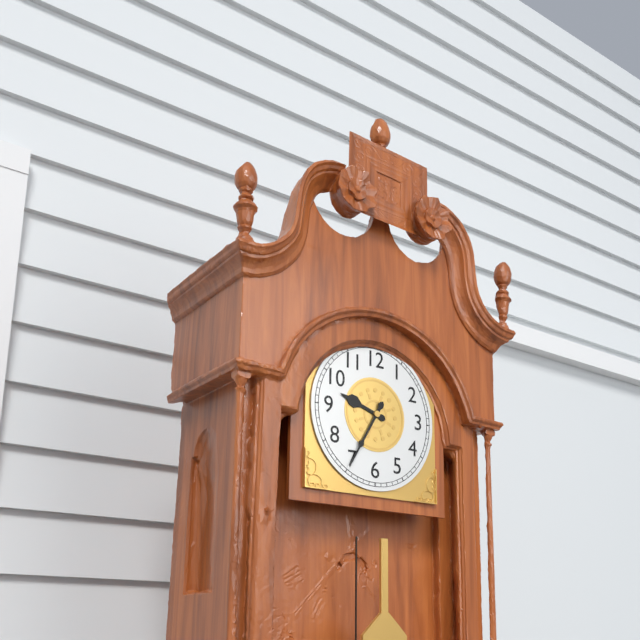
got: 9h35
